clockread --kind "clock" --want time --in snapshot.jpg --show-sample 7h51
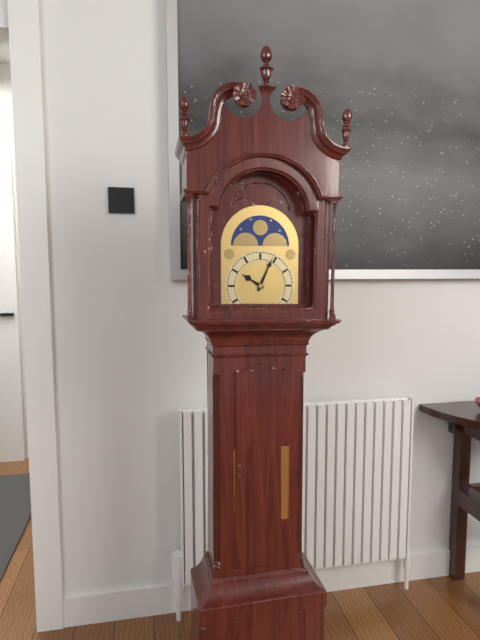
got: 10h04
